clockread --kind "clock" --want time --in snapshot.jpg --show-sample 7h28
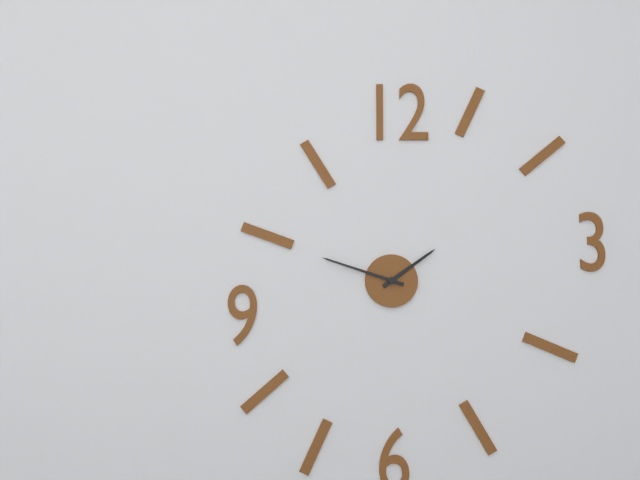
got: 1h48
